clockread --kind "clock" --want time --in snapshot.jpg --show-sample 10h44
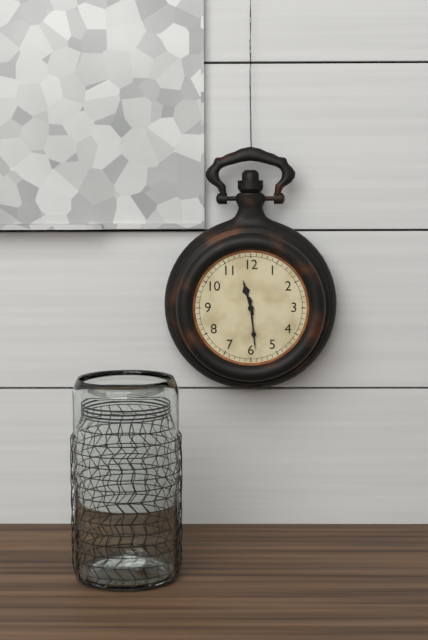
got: 11h29
